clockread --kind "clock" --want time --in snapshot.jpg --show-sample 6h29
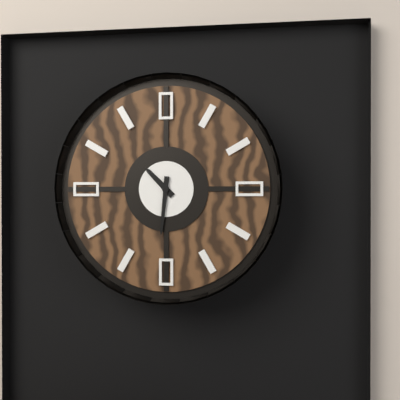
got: 10h31
